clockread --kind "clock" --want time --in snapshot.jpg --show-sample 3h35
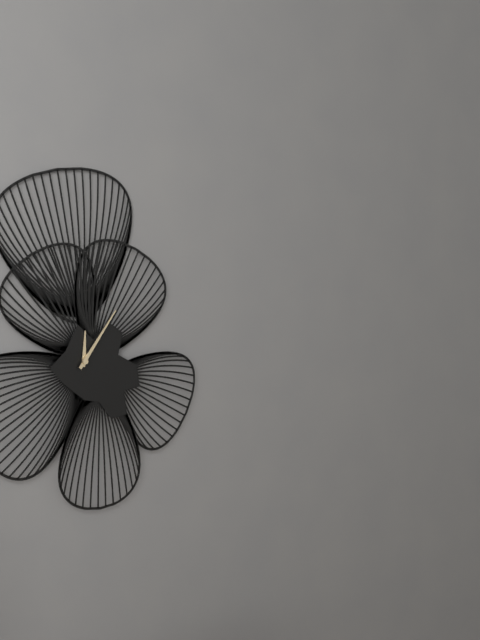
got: 12h06
